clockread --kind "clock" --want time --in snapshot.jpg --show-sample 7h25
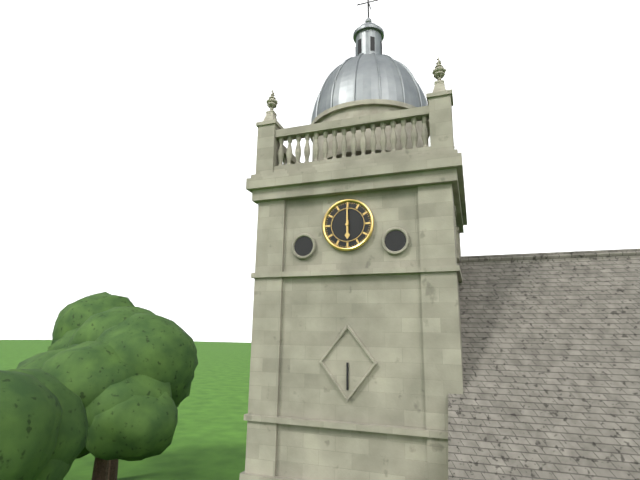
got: 6h00
